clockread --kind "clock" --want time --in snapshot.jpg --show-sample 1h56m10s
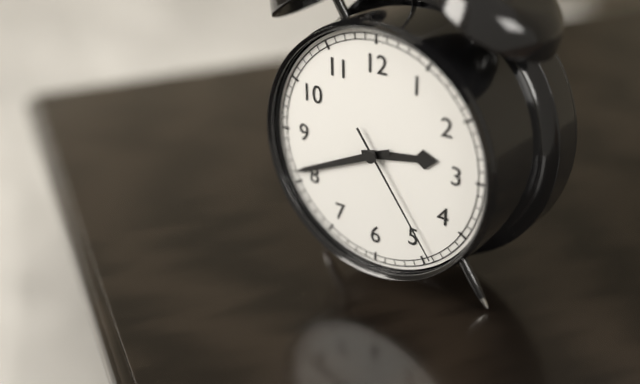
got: 2h41m24s
